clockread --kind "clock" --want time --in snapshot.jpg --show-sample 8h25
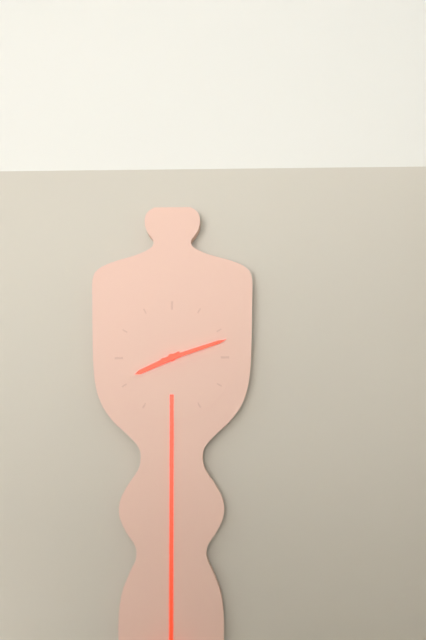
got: 8h12
